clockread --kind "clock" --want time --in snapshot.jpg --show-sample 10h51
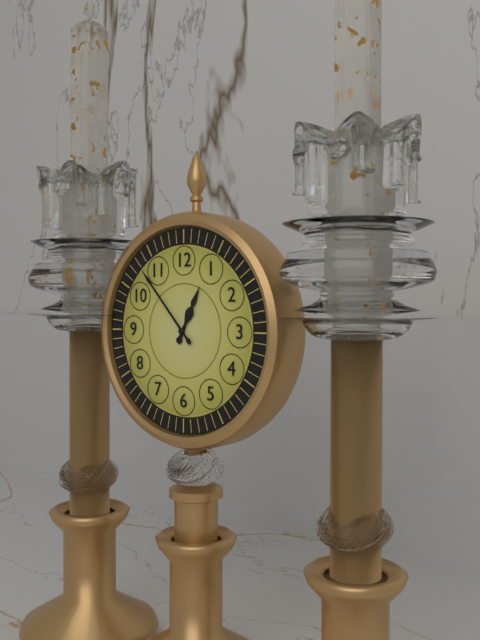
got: 12h53
